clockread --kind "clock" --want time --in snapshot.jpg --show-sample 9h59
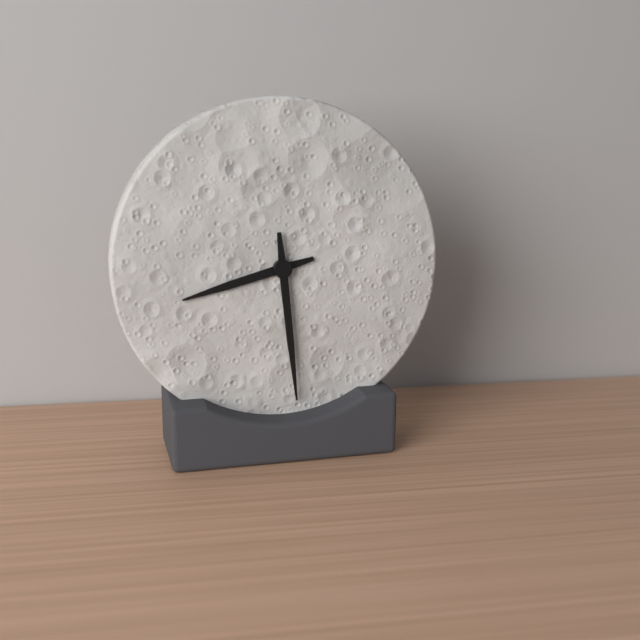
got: 8h29
